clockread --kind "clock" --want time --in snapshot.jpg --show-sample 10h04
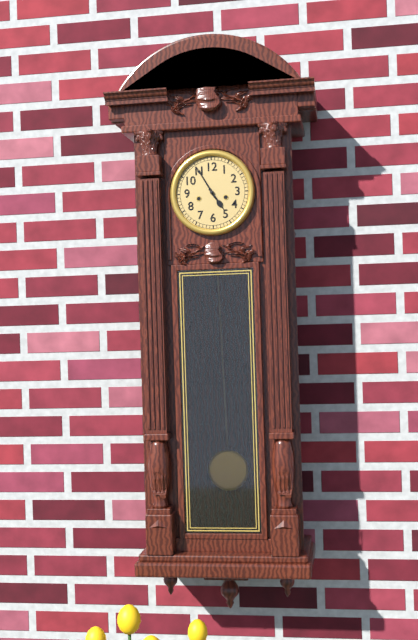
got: 4h55
